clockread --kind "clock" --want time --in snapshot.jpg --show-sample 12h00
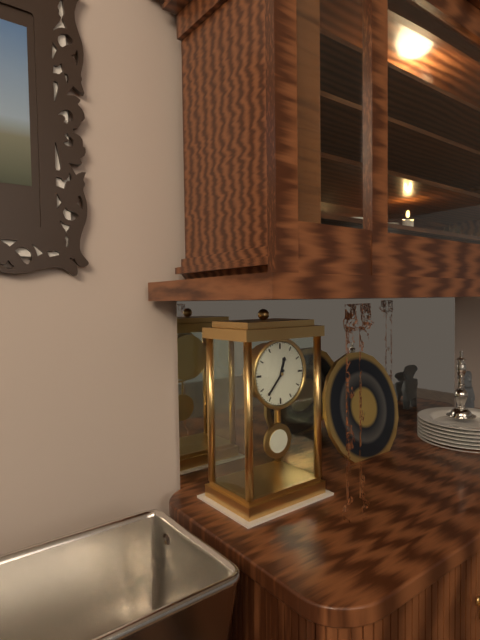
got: 12h37
